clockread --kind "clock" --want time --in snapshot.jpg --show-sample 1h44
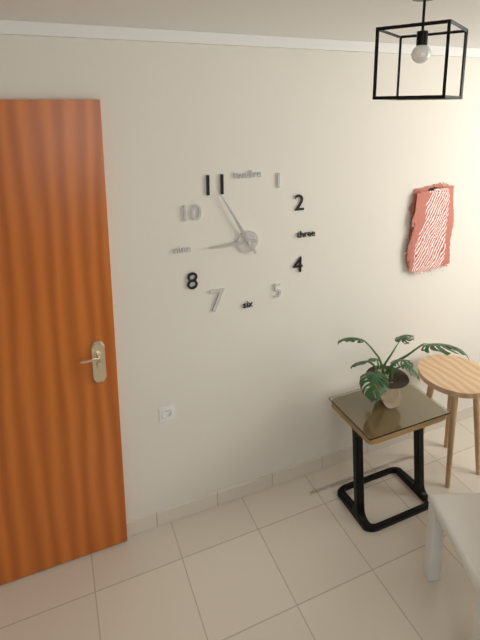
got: 8h55
